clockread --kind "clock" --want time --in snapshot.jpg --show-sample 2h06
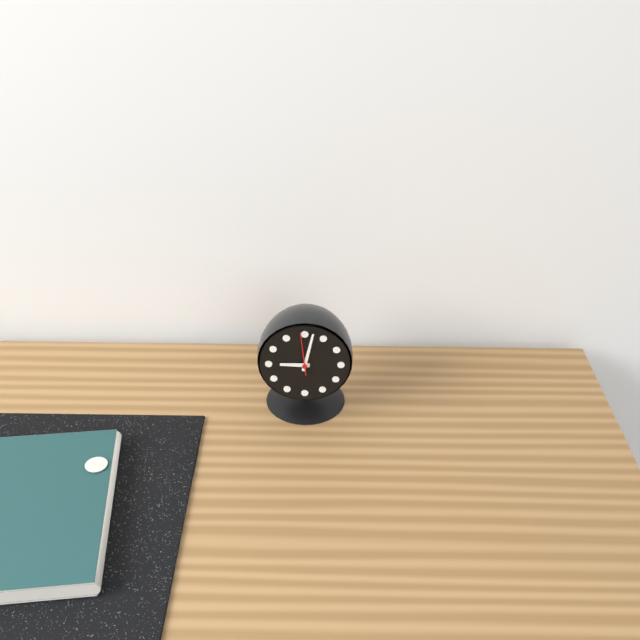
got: 9h02
